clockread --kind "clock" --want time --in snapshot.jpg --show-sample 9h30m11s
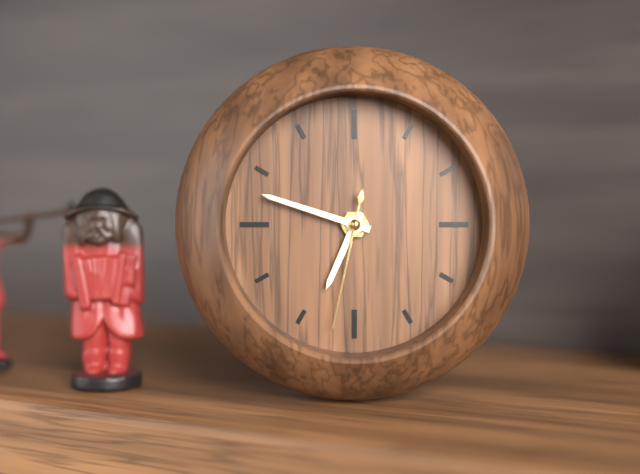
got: 6h48m32s
